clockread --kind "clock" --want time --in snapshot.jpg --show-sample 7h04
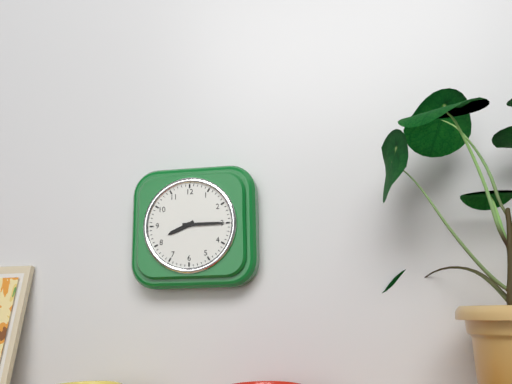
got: 8h15
